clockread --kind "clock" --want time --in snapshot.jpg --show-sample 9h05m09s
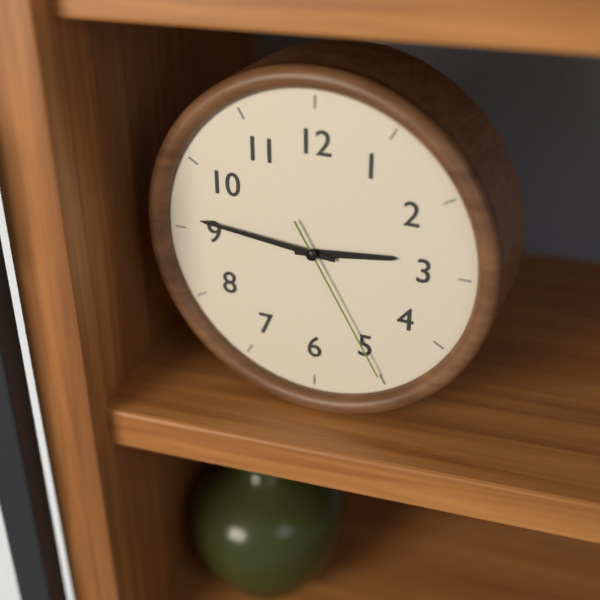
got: 2h46m25s
